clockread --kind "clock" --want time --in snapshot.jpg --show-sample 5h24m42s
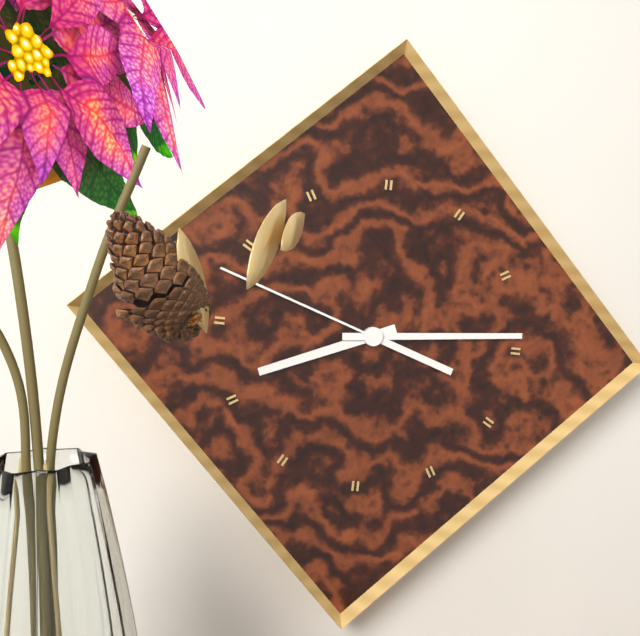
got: 8h14m48s
